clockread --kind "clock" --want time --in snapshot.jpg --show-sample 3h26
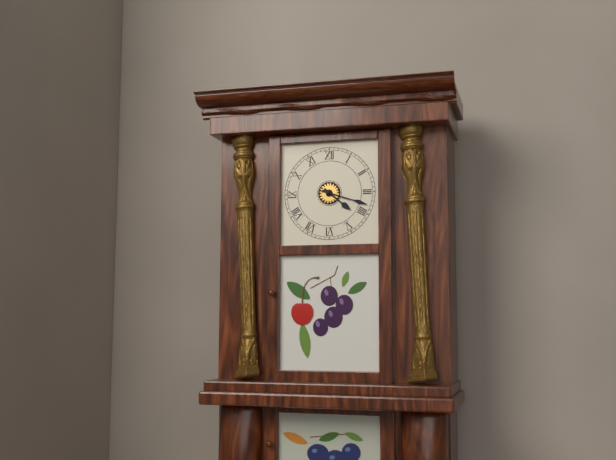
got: 4h18
